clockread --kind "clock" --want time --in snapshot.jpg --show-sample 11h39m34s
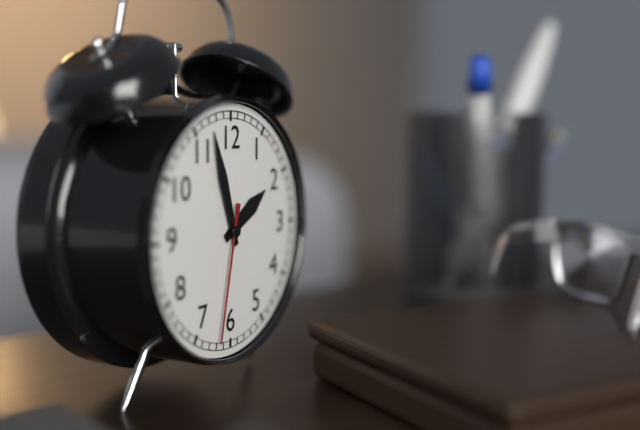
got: 1h57m32s
